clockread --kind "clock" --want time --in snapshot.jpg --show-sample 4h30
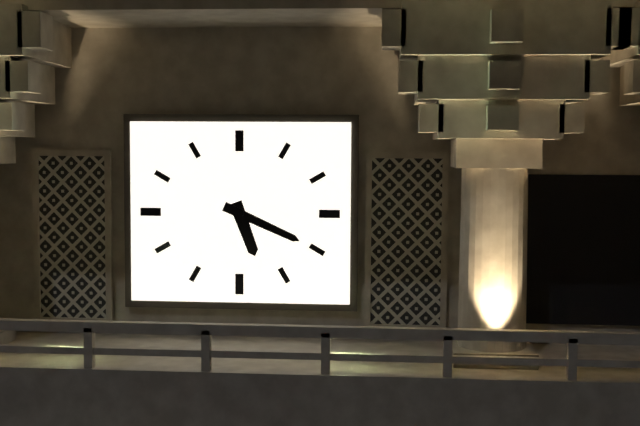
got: 5h19
